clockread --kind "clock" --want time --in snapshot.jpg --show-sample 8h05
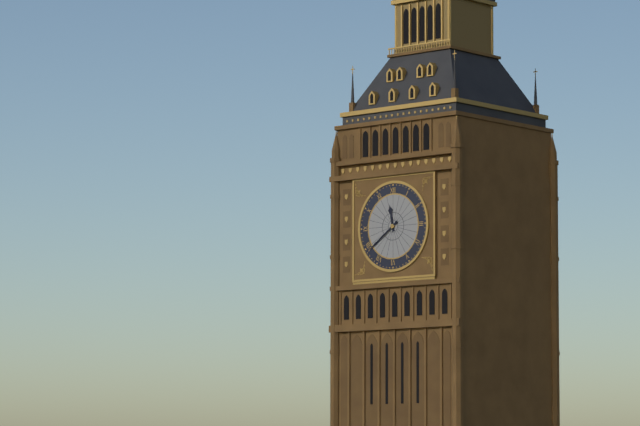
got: 11h39
